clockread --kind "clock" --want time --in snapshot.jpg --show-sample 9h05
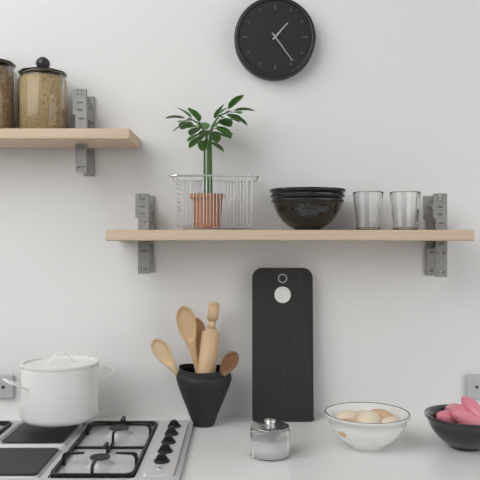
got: 1h24
